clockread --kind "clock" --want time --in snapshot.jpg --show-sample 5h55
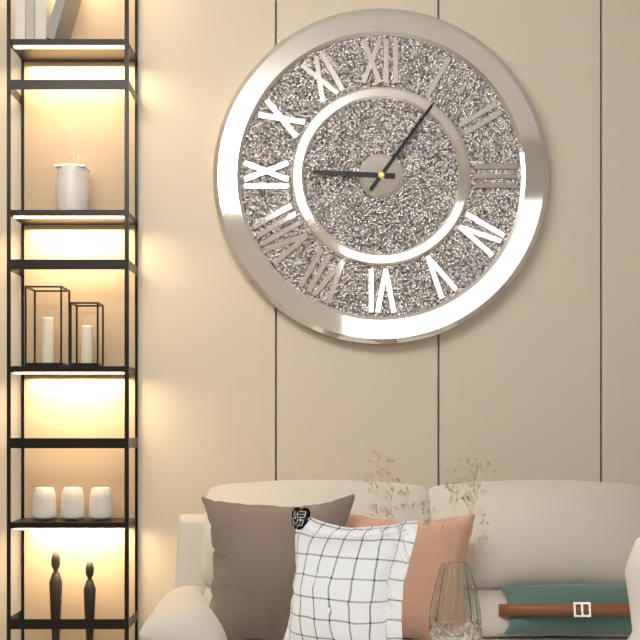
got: 9h06
